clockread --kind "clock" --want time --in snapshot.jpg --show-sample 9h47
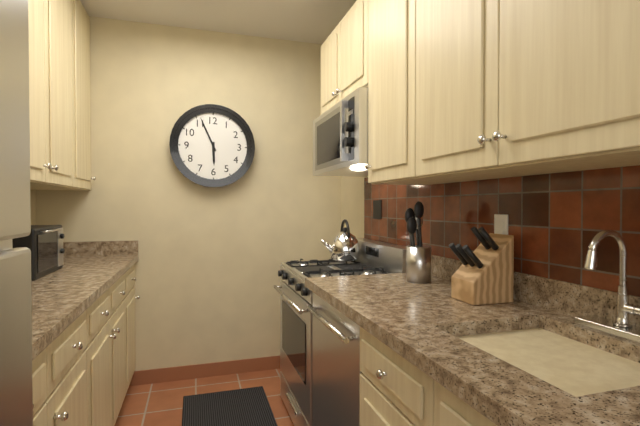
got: 5h56
